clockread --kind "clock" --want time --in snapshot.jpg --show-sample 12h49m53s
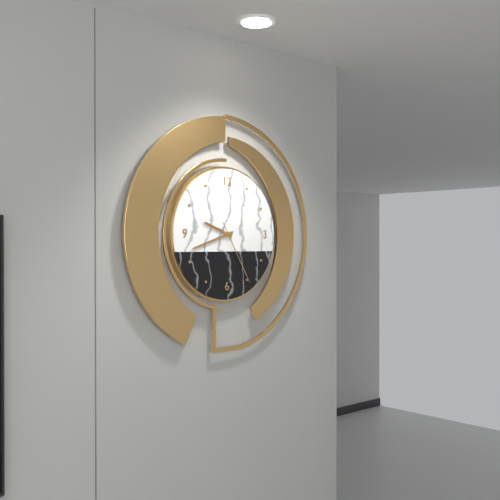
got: 9h42m25s
